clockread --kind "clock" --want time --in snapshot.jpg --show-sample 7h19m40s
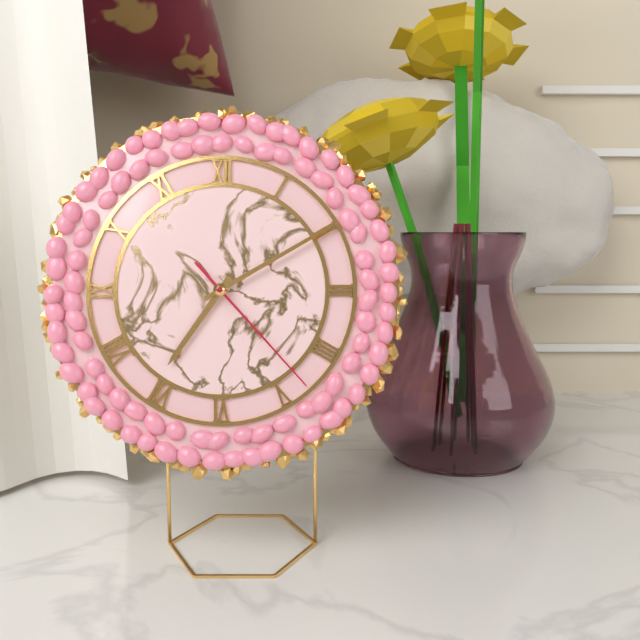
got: 7h10m23s
